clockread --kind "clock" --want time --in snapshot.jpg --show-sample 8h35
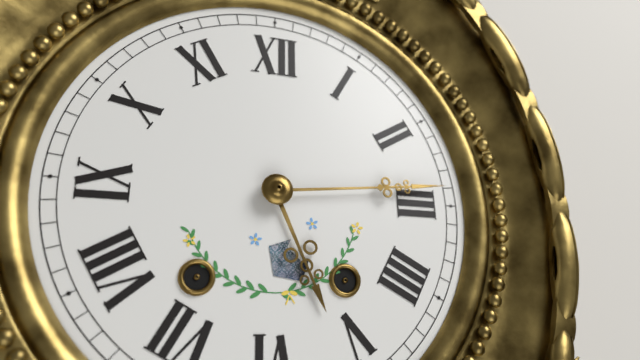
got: 5h14
